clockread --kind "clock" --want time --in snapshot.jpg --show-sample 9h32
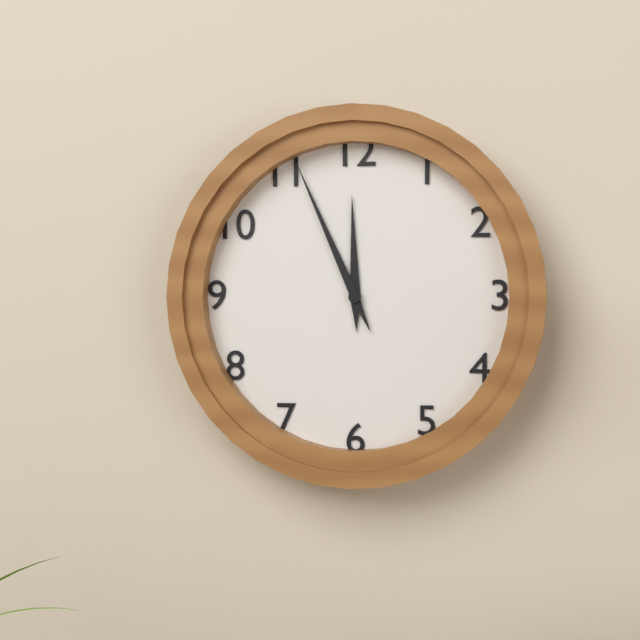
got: 11h56
